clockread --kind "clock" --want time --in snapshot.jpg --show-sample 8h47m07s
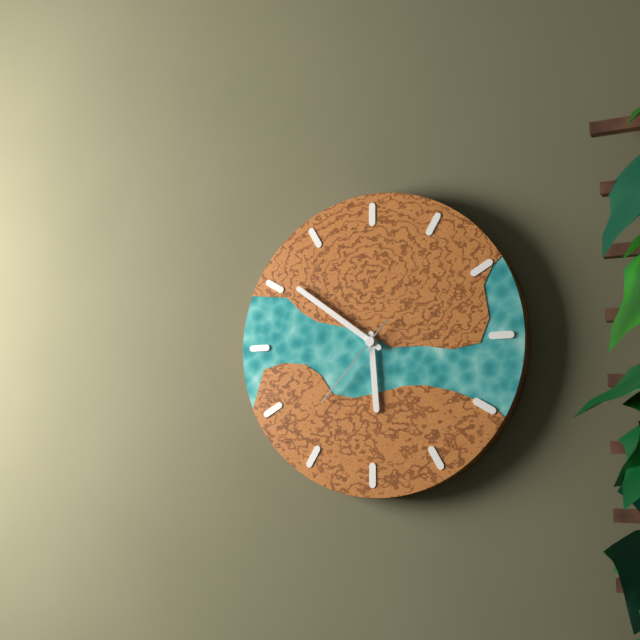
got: 5h51m37s
